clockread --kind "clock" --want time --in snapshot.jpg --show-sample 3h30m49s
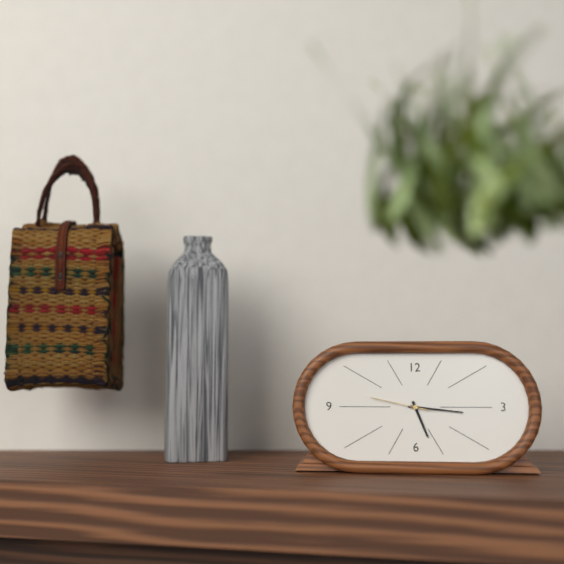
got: 5h16m47s
